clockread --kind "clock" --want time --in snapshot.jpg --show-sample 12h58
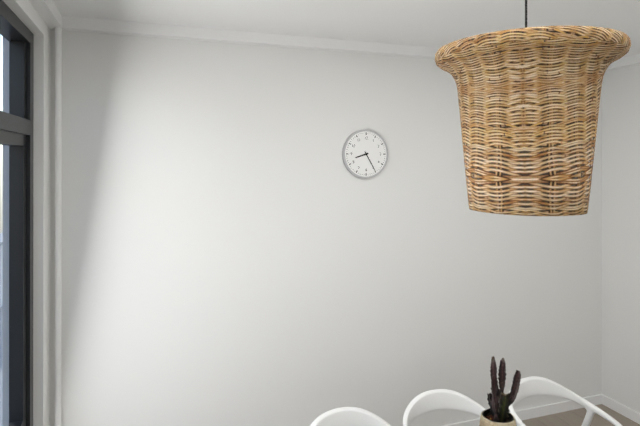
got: 8h25
